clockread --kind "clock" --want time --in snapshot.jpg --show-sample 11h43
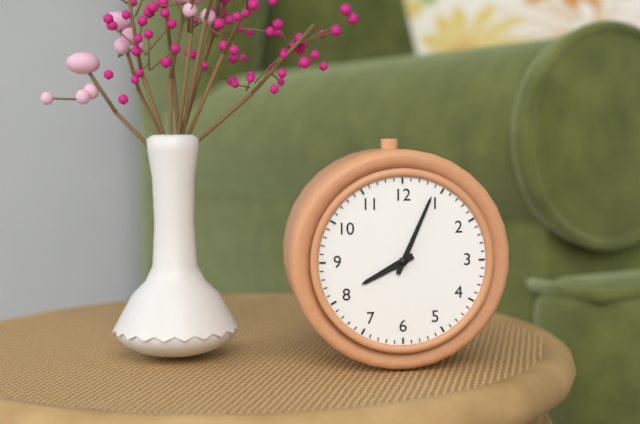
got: 8h04
